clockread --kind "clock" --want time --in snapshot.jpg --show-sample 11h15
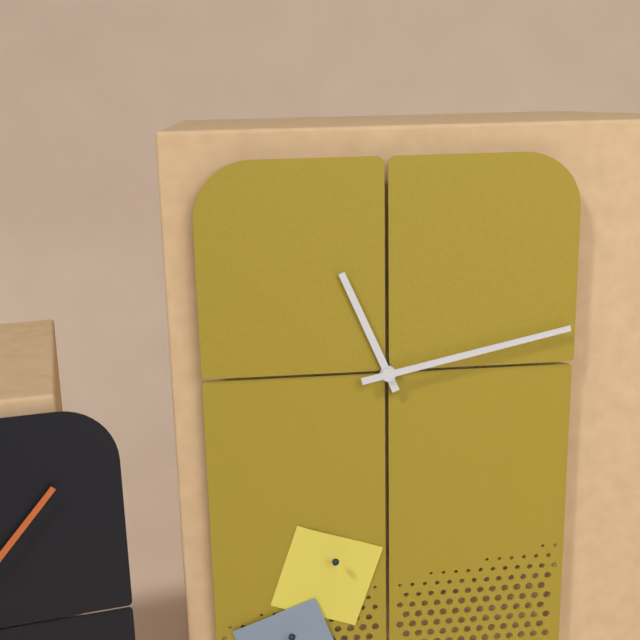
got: 11h13
